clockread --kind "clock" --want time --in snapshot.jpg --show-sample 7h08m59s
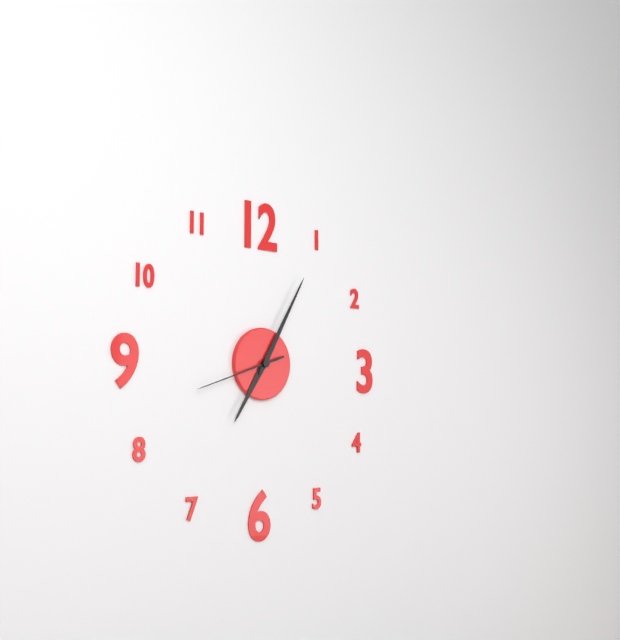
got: 7h05m42s
